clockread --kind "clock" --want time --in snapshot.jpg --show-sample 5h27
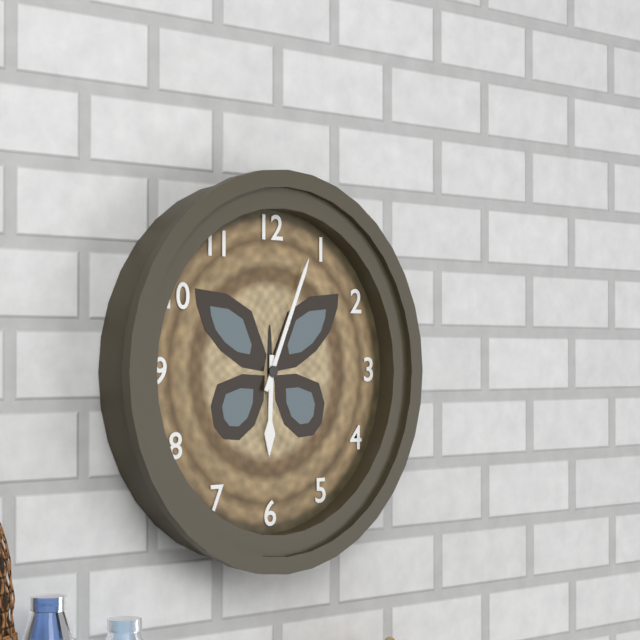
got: 6h04
